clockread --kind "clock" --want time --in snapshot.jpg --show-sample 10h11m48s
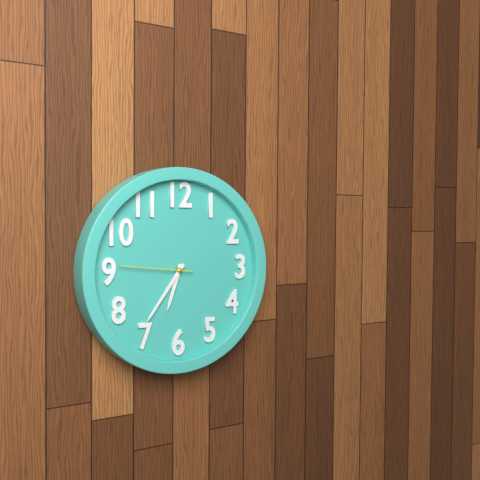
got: 6h36m46s
